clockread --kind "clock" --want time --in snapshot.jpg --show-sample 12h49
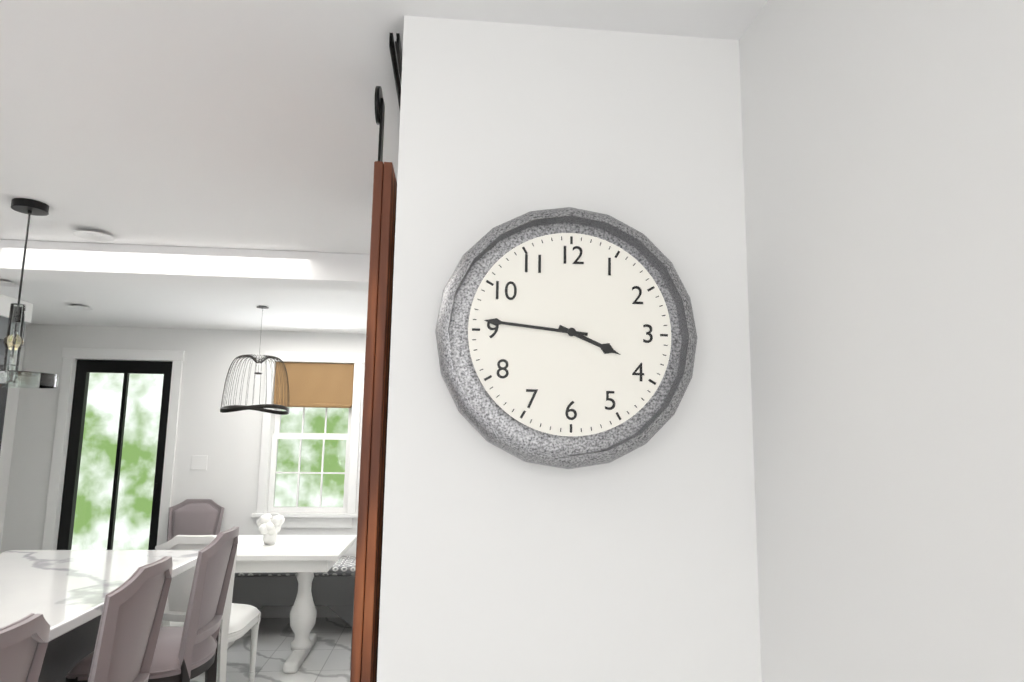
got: 3h46
